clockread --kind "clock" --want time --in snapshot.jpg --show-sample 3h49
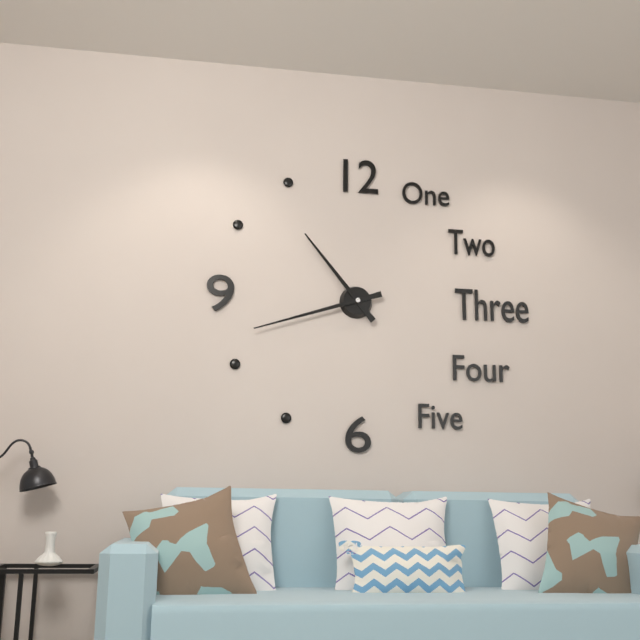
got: 10h42
